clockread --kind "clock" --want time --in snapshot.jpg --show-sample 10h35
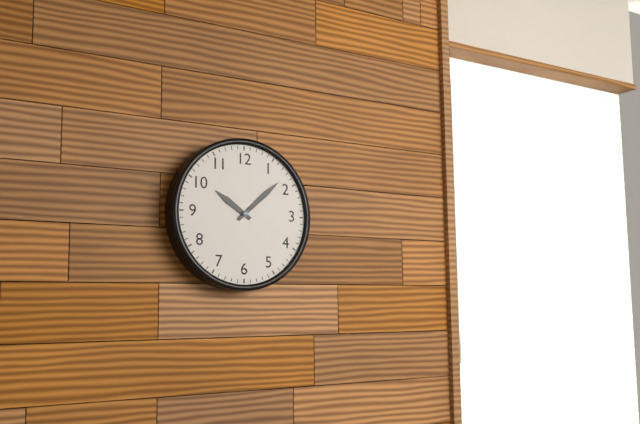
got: 10h08
